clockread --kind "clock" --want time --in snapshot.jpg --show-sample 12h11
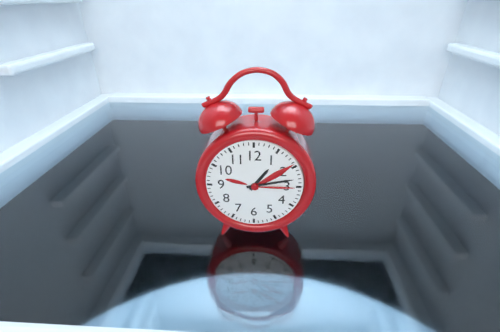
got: 1h13
